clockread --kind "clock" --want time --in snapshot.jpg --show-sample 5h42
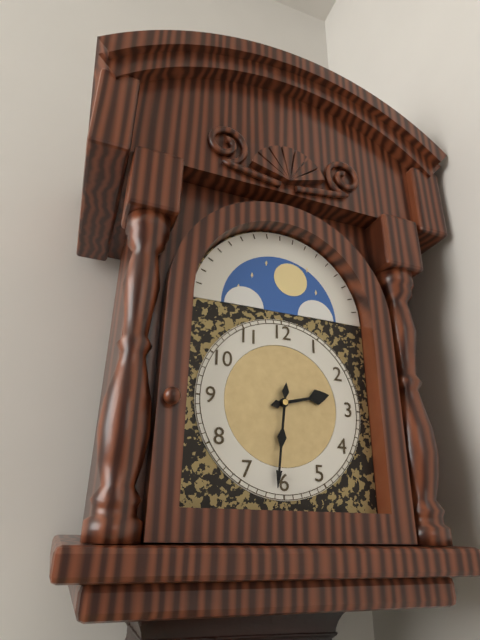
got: 2h31
